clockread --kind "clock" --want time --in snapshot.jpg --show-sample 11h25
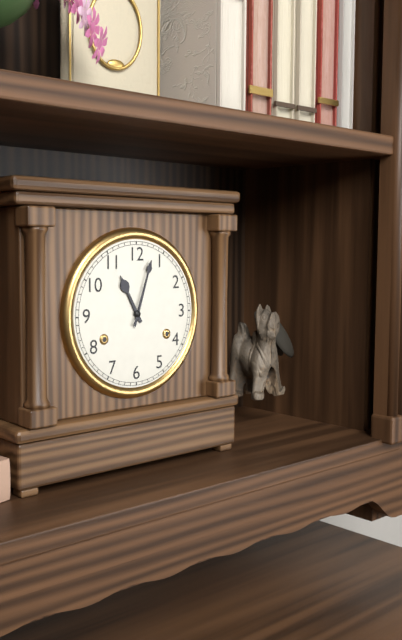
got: 11h03
